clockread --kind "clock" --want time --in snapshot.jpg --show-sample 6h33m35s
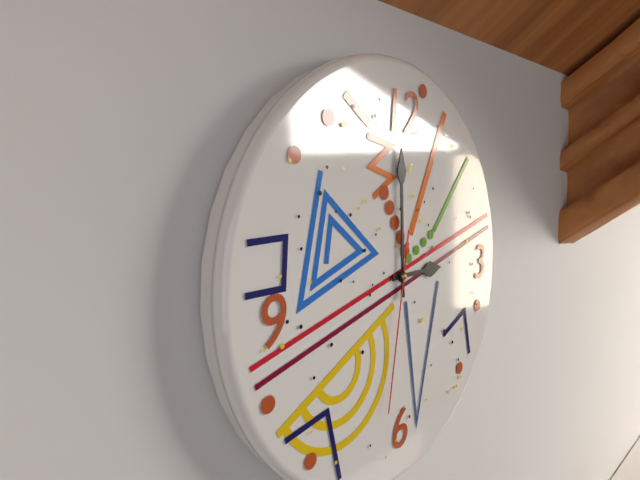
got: 3h00m32s
